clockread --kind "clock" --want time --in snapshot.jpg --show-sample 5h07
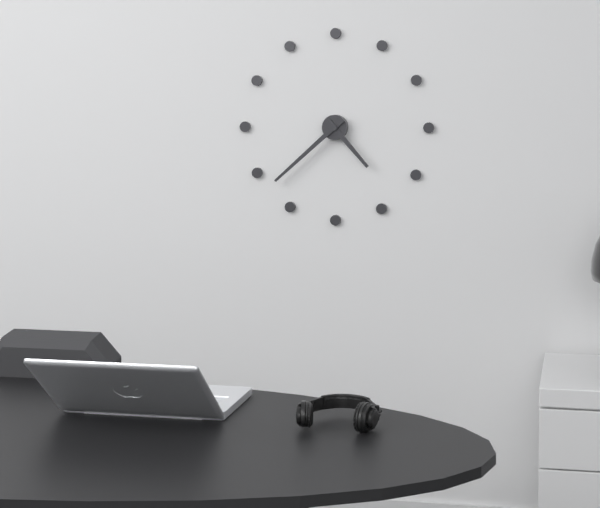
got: 4h38
